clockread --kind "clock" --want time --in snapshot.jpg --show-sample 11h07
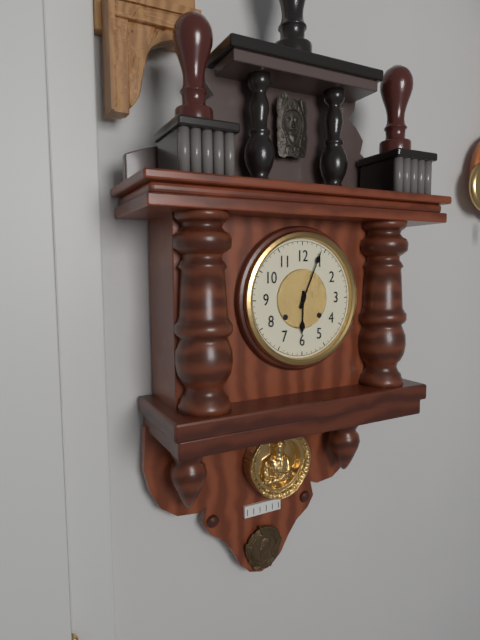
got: 6h04
